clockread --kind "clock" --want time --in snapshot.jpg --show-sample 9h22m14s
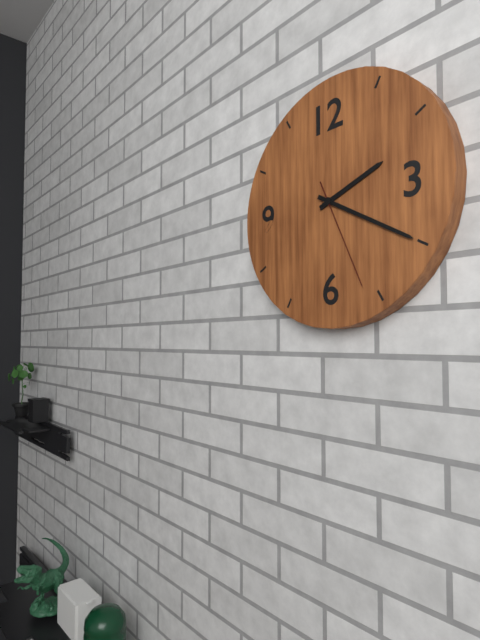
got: 2h20m26s
